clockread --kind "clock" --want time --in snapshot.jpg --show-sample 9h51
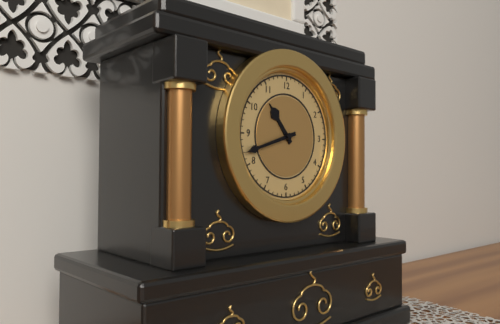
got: 10h42
